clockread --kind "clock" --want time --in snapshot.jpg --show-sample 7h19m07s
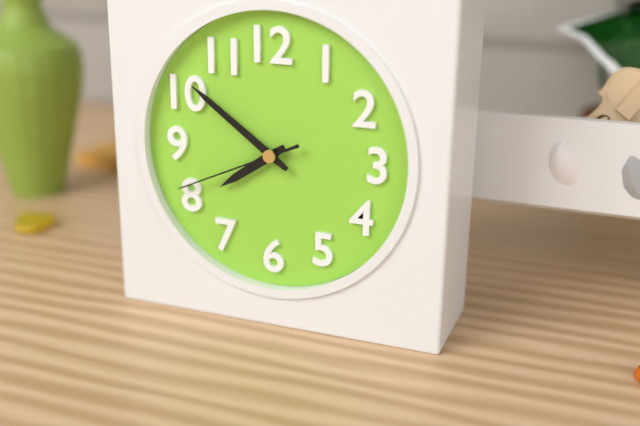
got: 7h51m41s
